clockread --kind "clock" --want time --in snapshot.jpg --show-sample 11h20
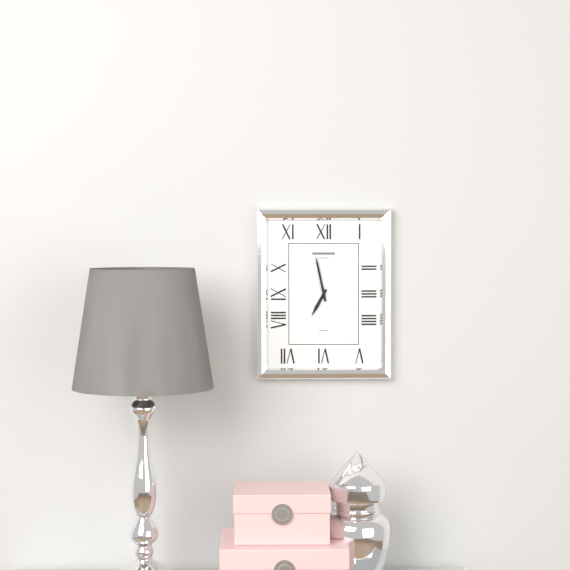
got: 6h58
